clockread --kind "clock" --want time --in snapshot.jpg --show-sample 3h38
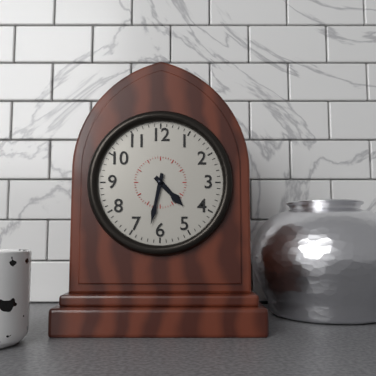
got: 4h32
